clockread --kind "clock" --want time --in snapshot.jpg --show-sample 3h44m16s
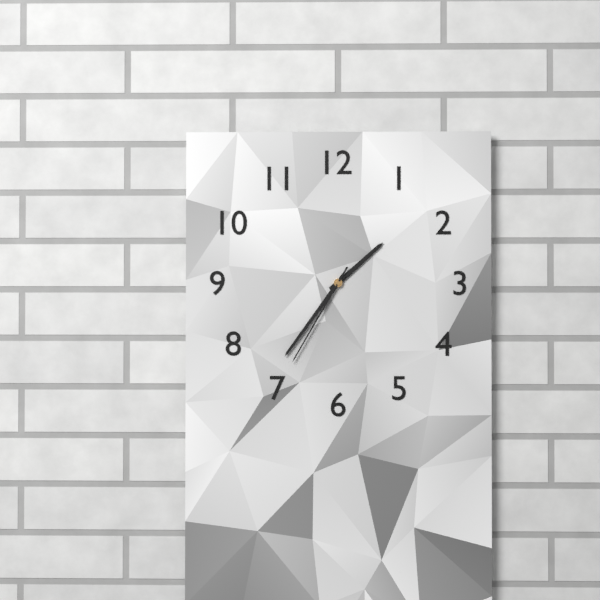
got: 1h36m35s
